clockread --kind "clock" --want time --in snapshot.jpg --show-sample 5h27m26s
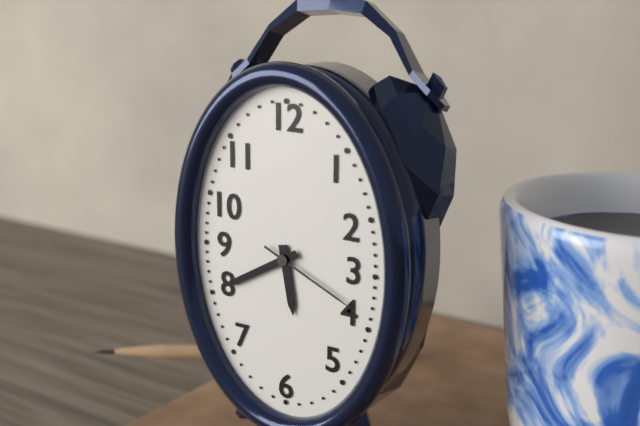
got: 5h40m19s
